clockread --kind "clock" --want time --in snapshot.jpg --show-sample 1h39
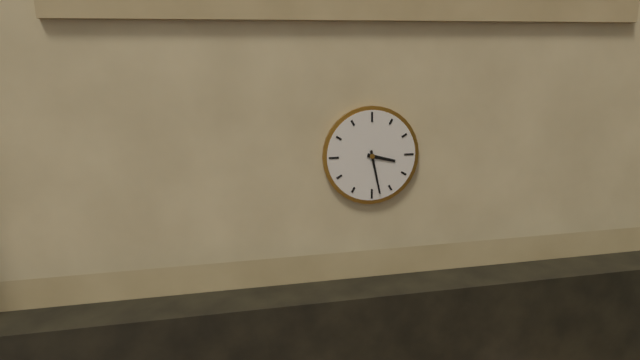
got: 3h28
